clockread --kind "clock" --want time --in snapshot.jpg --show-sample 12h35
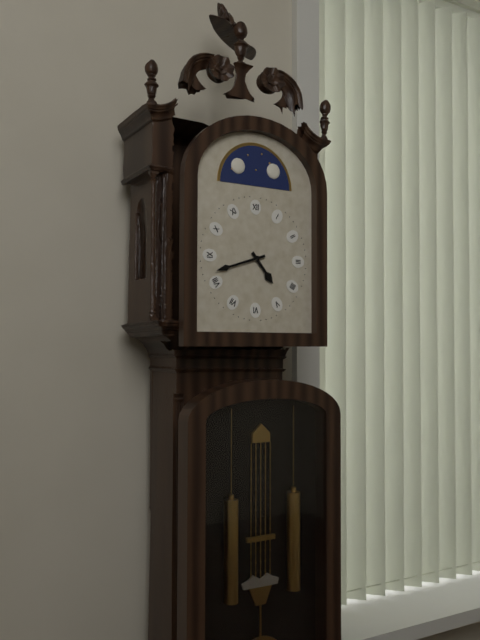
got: 4h42
